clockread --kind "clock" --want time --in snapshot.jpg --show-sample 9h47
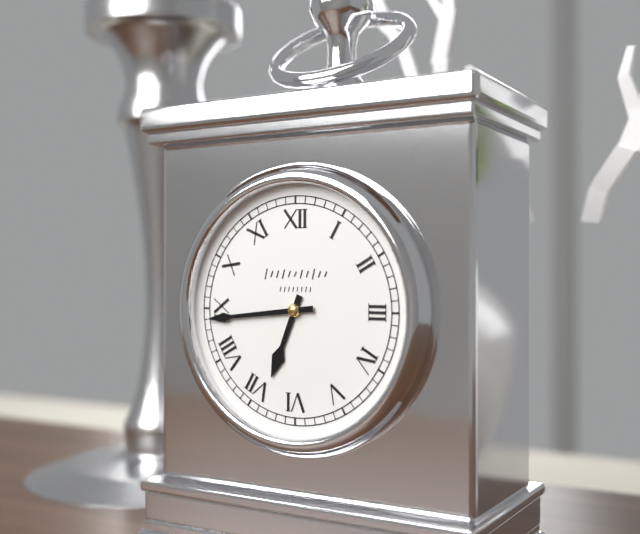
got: 6h44
